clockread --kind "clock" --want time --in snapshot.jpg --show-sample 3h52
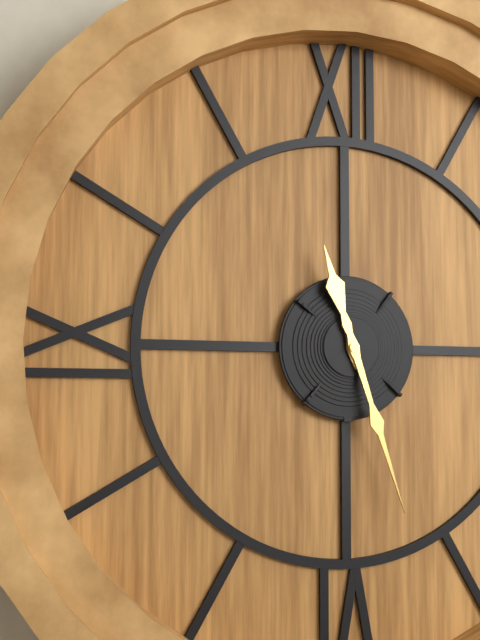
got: 11h27
